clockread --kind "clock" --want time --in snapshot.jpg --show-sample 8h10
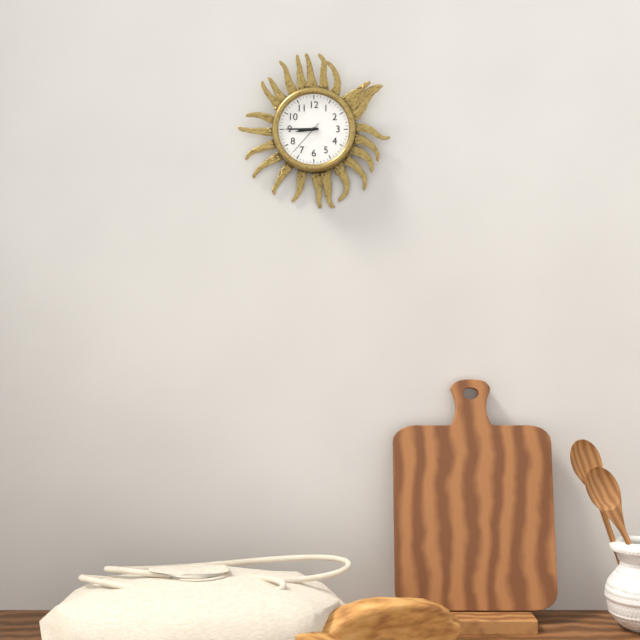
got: 8h45
